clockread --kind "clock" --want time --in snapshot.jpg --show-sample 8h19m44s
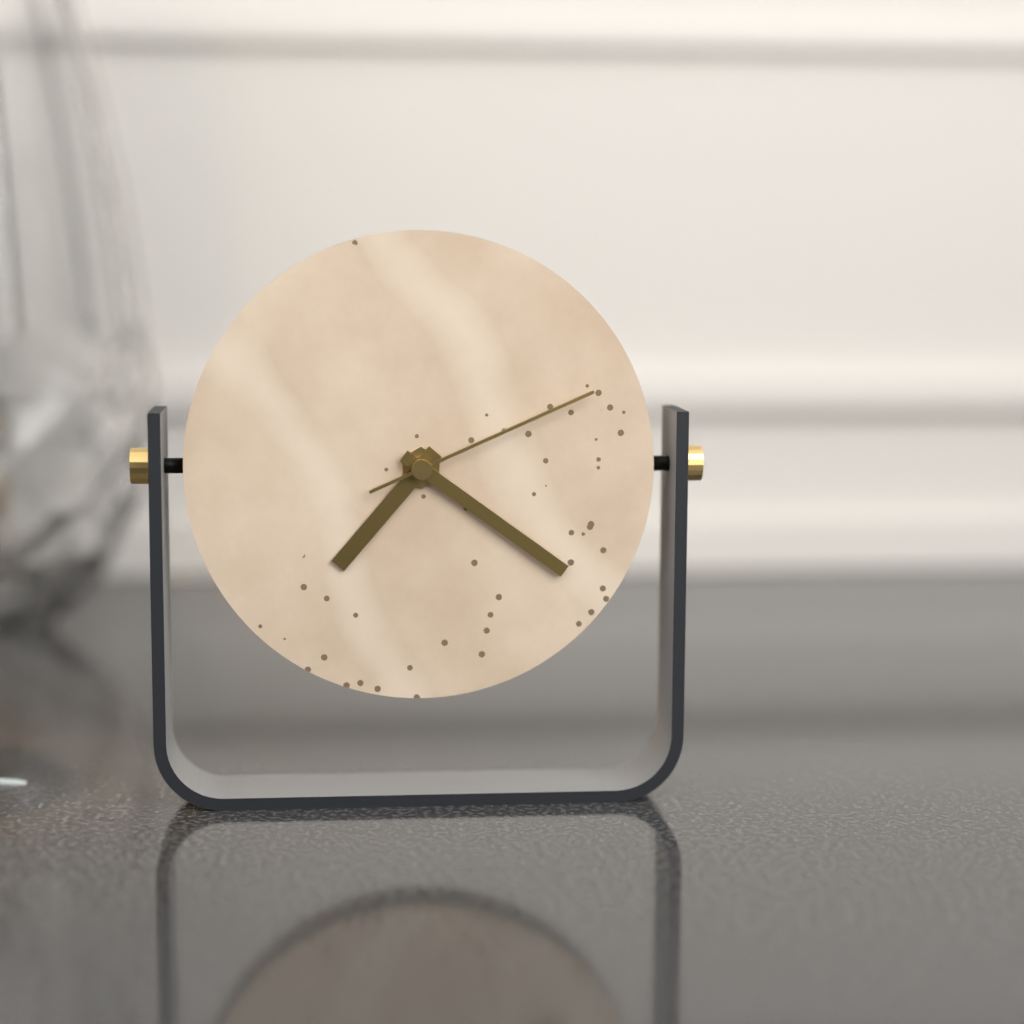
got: 7h21m11s
